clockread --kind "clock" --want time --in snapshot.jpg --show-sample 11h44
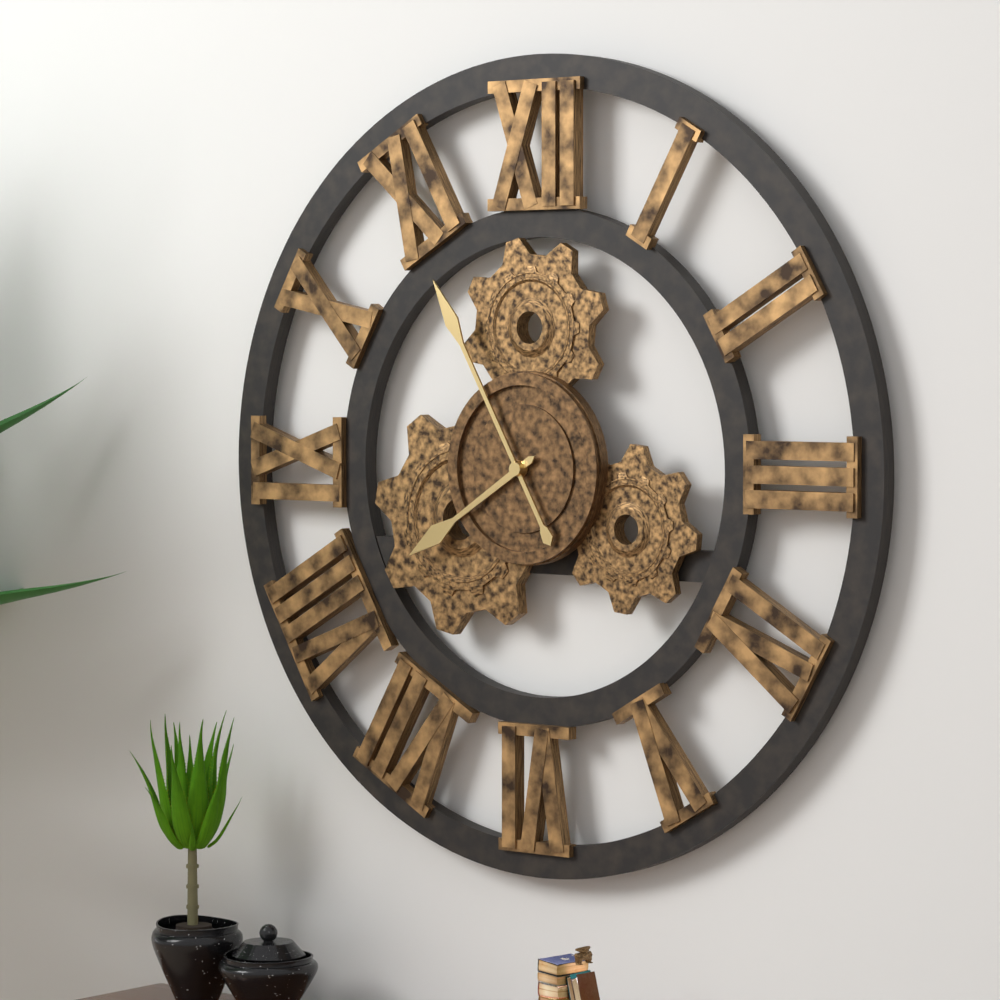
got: 7h55
